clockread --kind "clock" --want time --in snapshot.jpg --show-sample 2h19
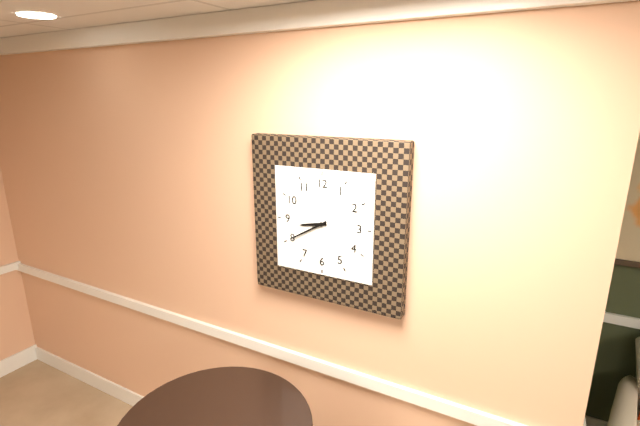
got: 8h40
